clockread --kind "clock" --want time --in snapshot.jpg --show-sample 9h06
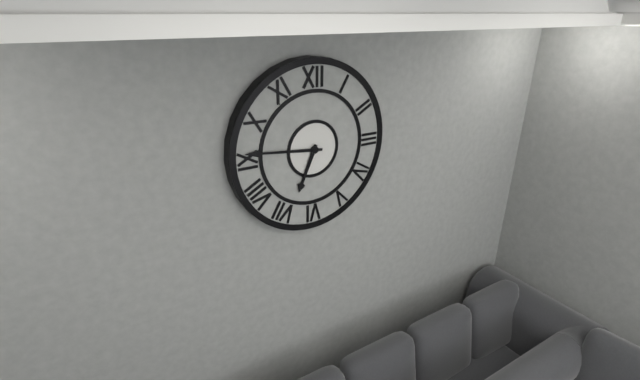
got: 6h46
